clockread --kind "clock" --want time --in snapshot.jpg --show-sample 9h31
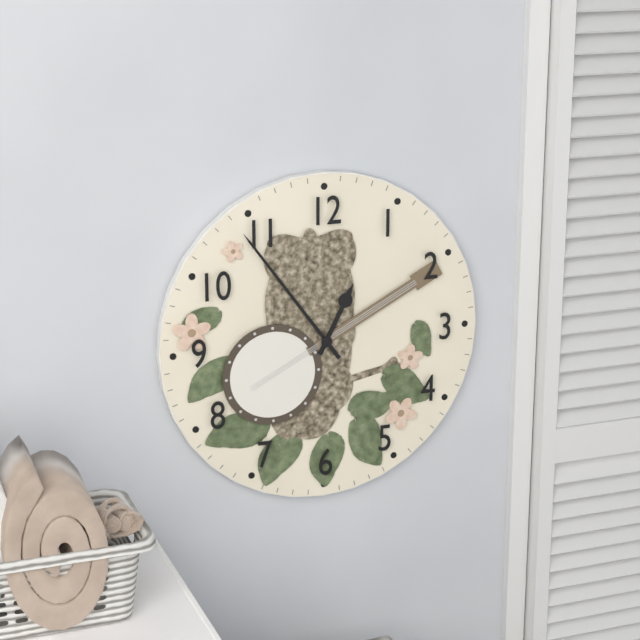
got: 12h54
